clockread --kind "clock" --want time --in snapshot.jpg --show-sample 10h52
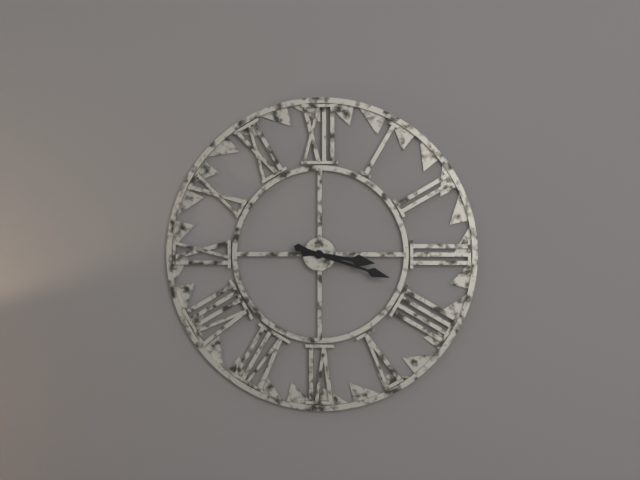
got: 3h18
